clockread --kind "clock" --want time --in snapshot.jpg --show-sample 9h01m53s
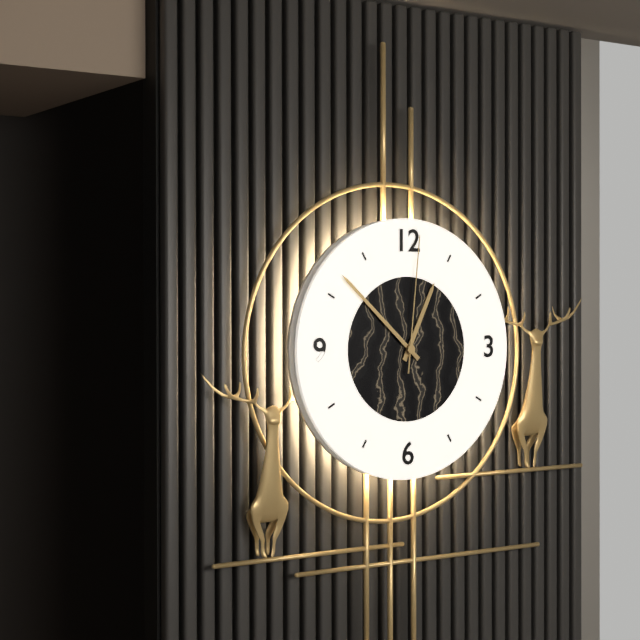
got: 12h52m01s
